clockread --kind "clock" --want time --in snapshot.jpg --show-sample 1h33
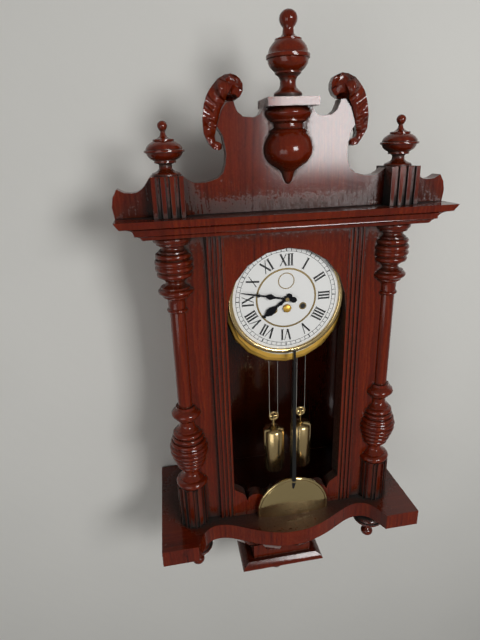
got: 7h47
